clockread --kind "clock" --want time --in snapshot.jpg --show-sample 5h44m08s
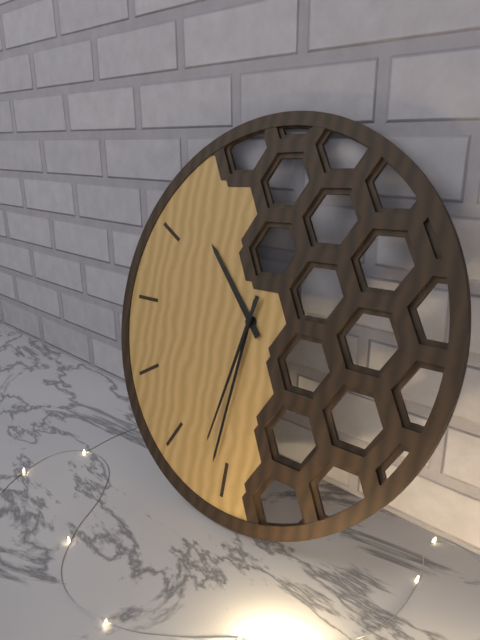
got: 10h31m32s
